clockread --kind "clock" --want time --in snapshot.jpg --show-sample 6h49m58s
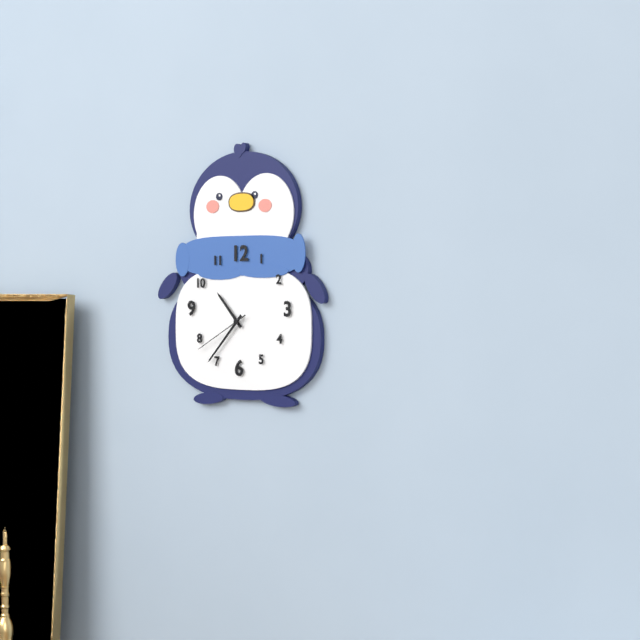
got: 10h37m40s
